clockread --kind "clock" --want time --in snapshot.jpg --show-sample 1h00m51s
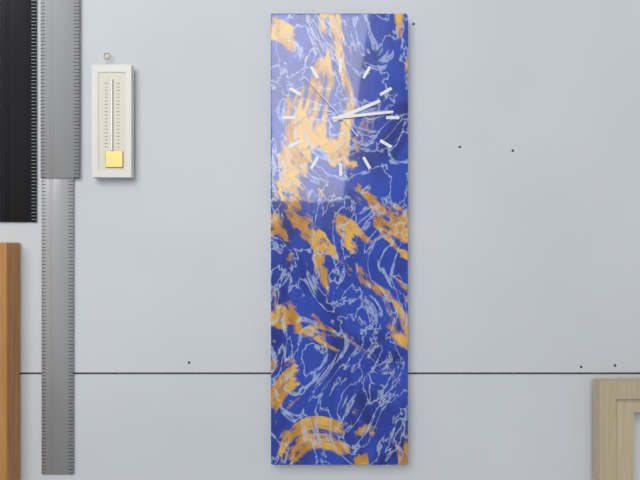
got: 2h14m53s
